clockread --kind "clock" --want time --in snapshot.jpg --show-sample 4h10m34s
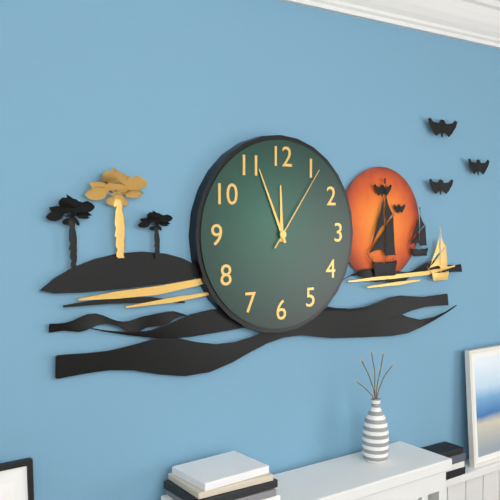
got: 11h56m06s
